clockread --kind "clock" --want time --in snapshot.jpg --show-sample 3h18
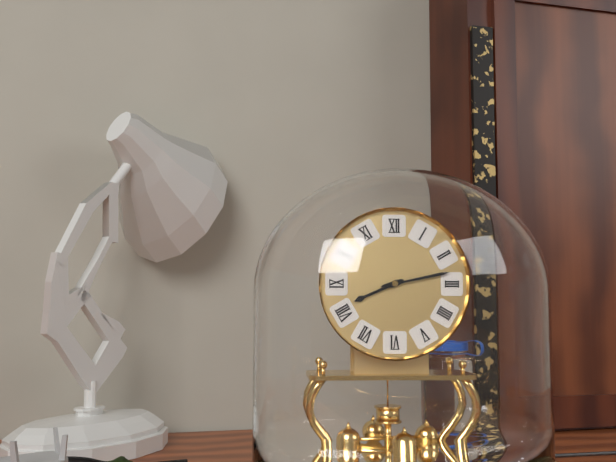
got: 8h13
